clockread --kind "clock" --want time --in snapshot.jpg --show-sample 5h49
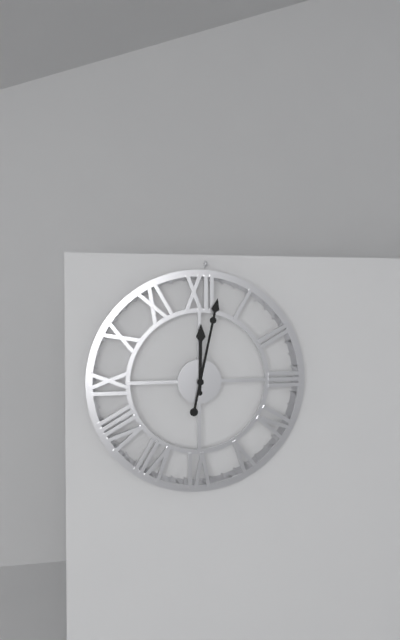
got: 12h02
